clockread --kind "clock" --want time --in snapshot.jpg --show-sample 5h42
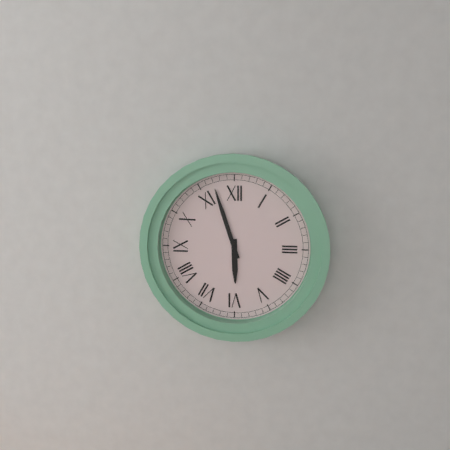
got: 5h57
